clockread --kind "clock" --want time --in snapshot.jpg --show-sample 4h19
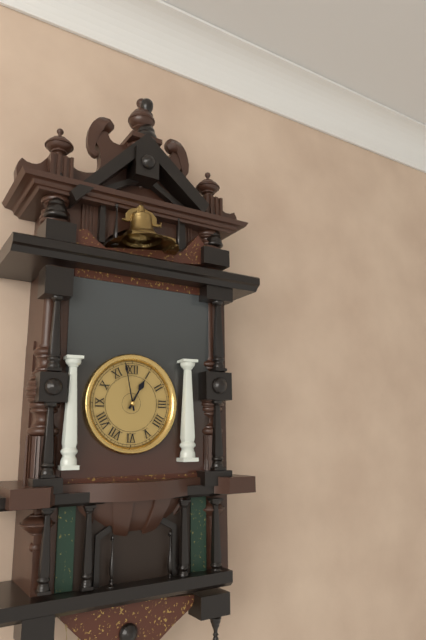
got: 12h58
